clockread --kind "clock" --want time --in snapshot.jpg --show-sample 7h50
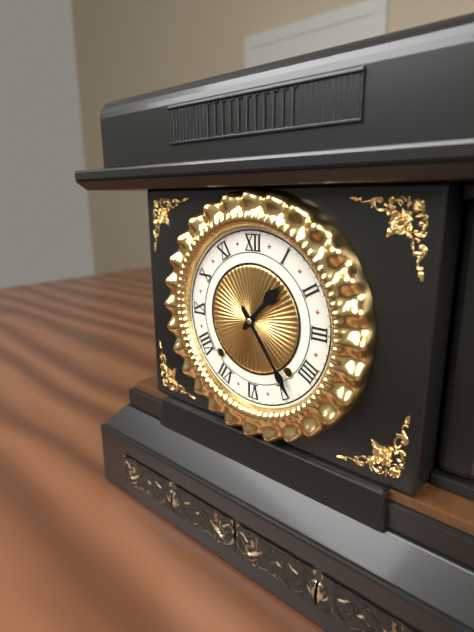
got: 1h24
